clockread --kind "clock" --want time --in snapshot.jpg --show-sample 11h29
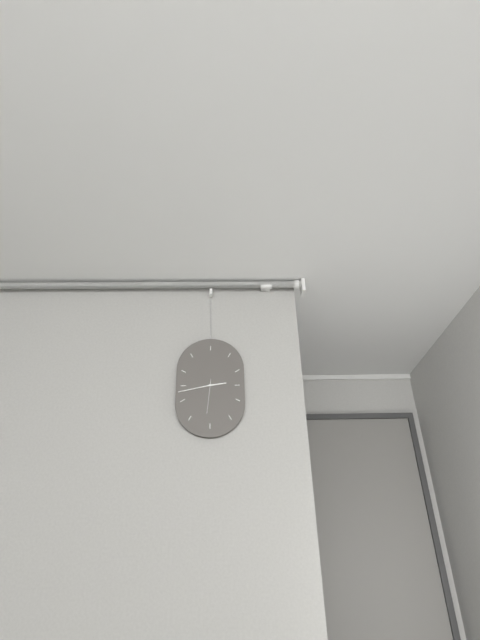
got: 2h43
